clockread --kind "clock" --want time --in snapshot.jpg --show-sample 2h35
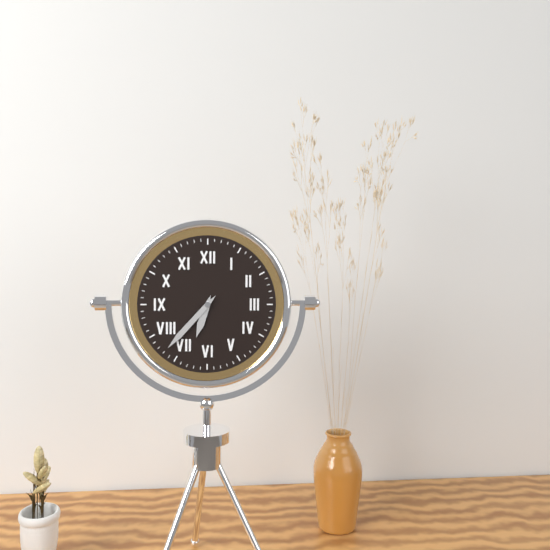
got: 6h37
